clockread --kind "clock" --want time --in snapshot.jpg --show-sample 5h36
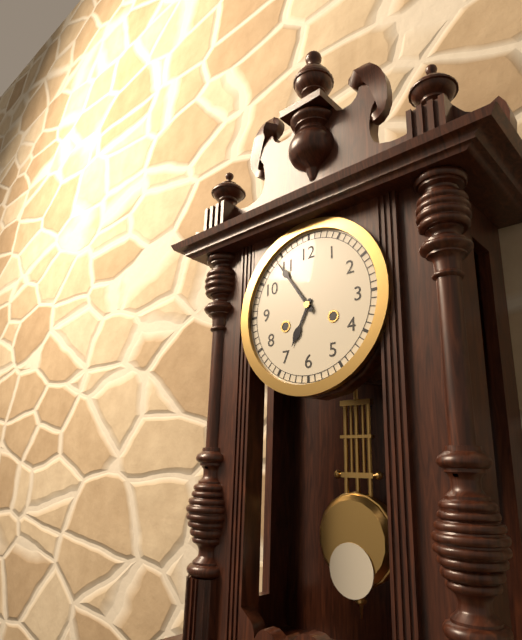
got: 6h54
